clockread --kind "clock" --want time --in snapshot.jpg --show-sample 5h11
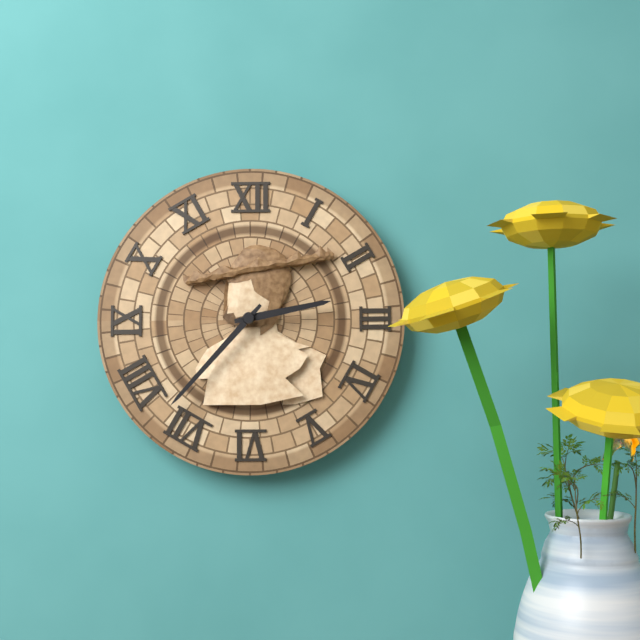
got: 2h37
